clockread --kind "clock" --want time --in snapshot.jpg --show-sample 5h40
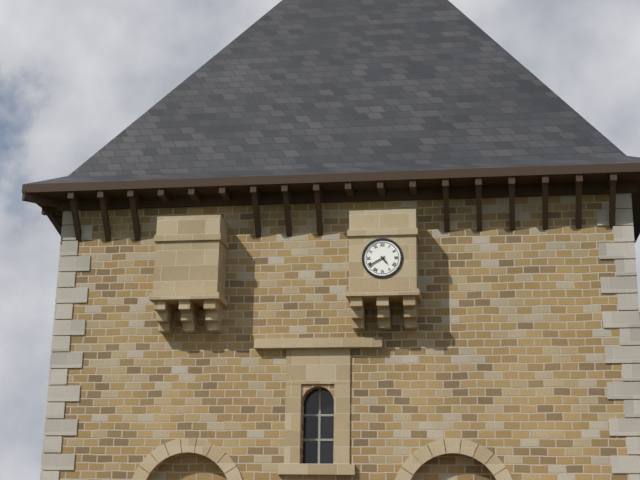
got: 4h40
